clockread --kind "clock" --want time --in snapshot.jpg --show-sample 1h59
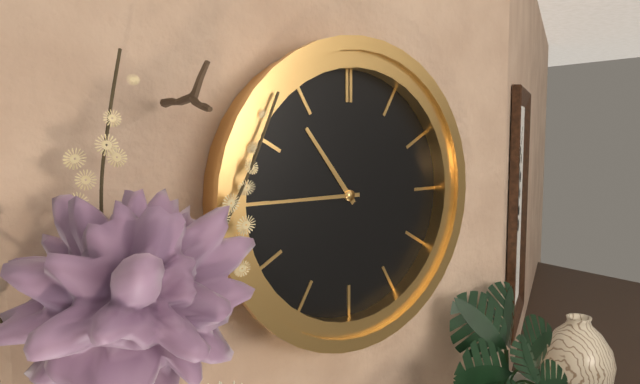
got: 10h45
